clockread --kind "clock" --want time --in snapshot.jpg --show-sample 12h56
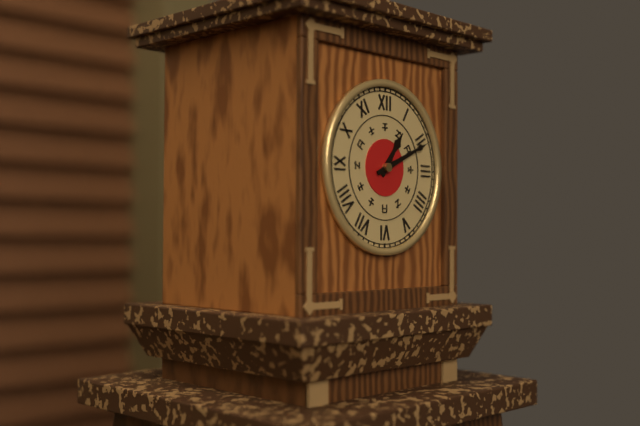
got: 1h11
